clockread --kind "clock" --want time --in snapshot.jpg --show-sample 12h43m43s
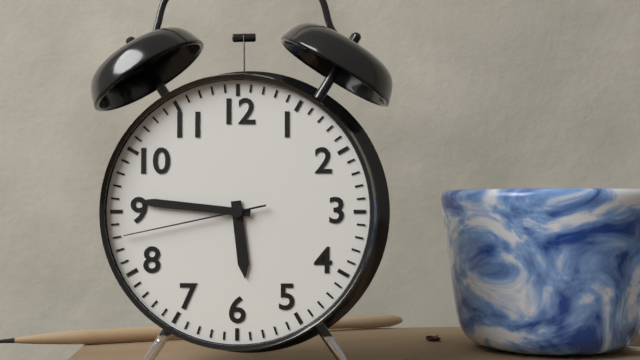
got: 5h46m43s
